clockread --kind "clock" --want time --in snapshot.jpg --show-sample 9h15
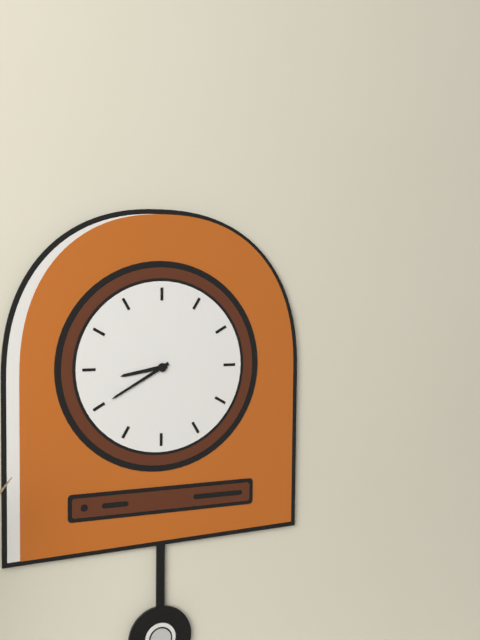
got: 8h40
